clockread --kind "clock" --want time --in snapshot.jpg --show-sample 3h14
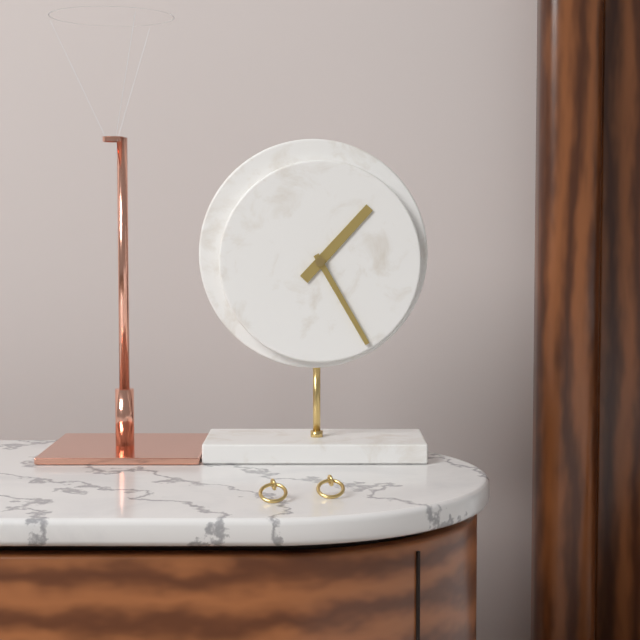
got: 1h25
